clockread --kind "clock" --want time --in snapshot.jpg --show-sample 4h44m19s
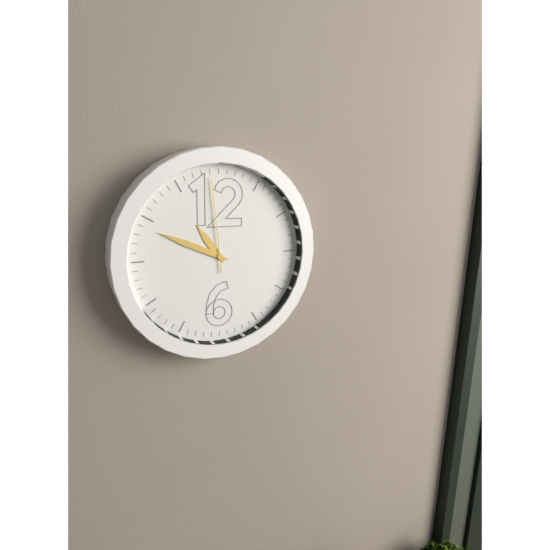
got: 10h49m59s
